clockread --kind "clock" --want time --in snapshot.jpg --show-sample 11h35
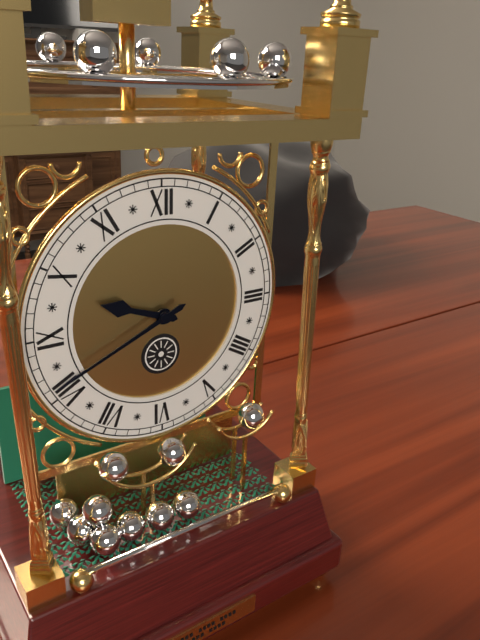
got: 9h41
